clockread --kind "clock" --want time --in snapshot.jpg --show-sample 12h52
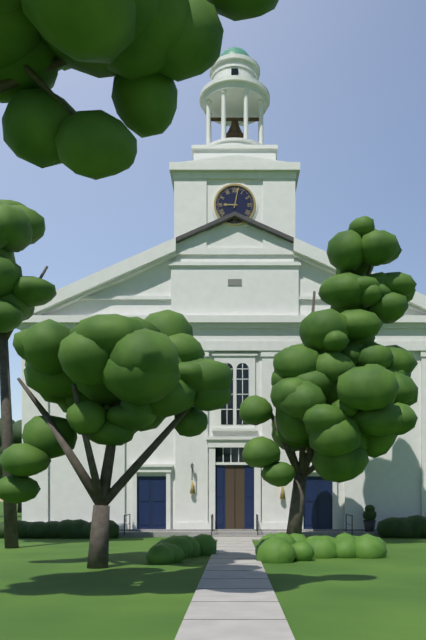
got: 9h02
